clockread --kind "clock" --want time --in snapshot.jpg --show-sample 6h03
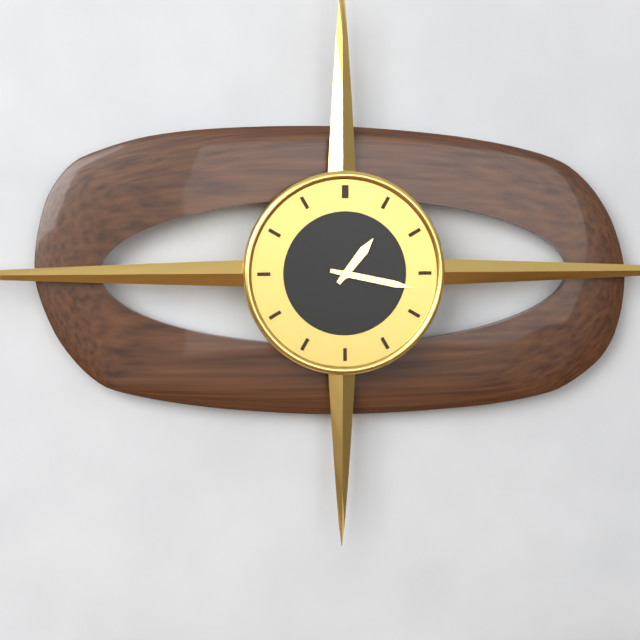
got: 1h17
